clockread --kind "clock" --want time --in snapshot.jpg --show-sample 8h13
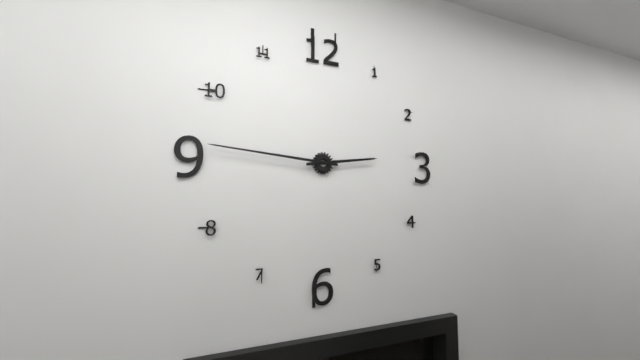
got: 2h46
